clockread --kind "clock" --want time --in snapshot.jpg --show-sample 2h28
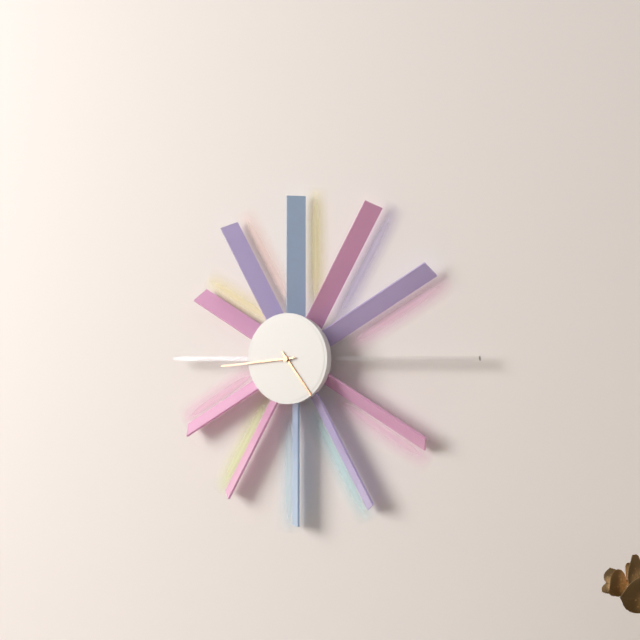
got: 4h44
